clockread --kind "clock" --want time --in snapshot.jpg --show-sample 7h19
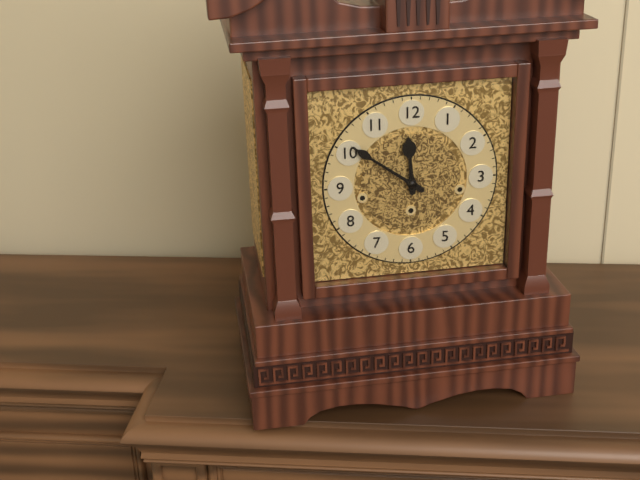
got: 11h51
